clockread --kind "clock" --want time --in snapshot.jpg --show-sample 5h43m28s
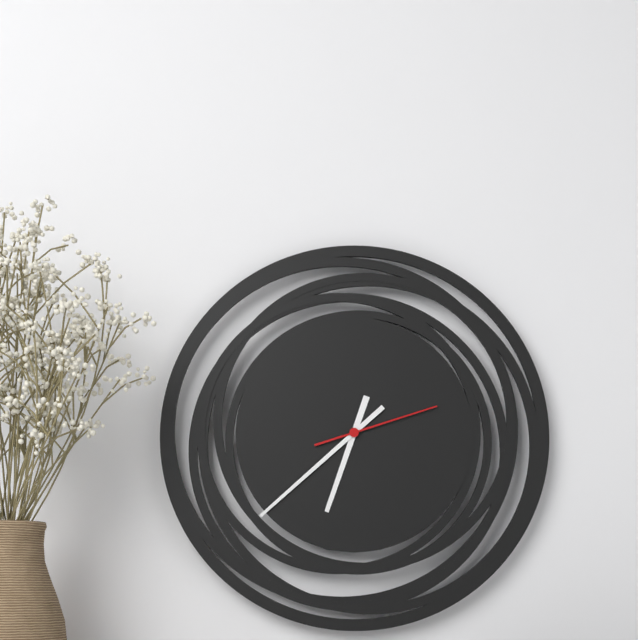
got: 6h38m12s
